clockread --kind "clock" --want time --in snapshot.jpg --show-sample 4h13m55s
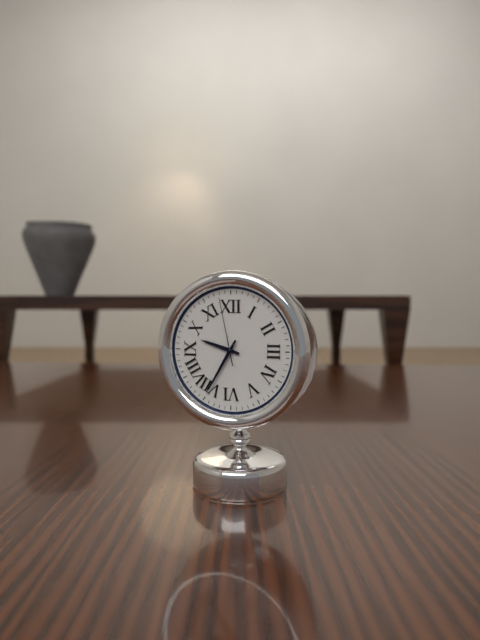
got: 9h35m58s
